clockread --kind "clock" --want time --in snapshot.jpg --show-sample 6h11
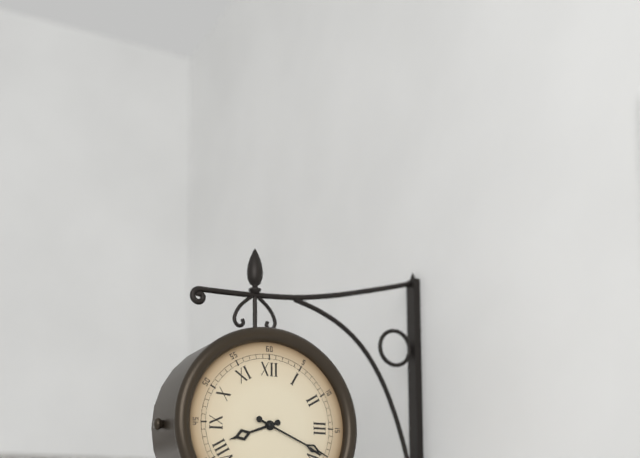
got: 8h19
